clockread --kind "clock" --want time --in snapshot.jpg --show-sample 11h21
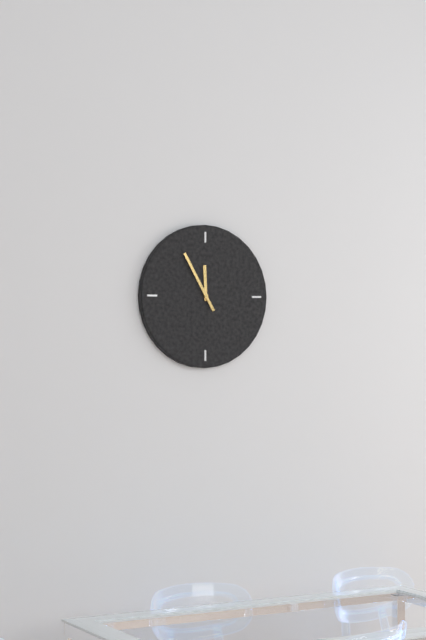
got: 11h55
